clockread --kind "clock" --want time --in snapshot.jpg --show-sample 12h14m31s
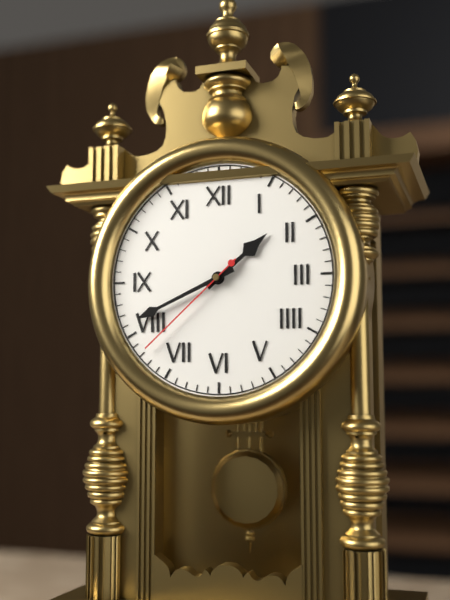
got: 1h41m38s
